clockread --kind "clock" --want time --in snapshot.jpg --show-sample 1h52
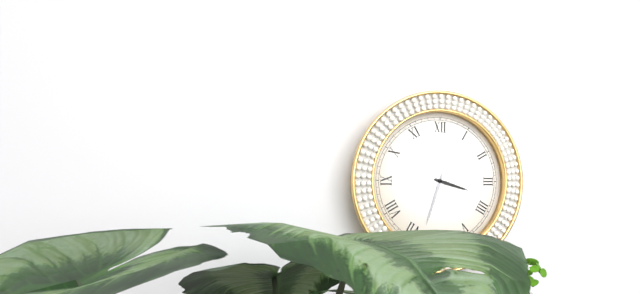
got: 3h33
